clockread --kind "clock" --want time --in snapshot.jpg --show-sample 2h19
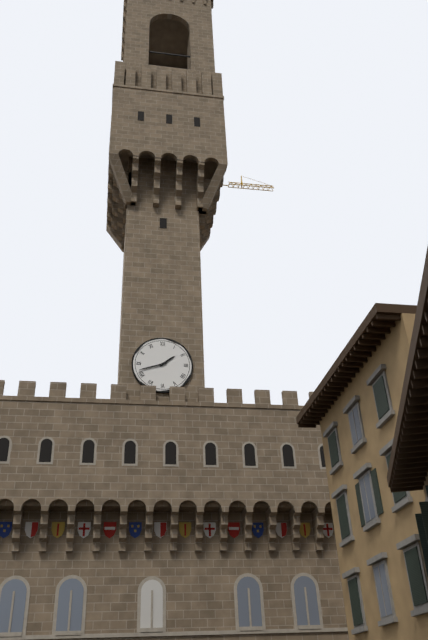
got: 1h42
